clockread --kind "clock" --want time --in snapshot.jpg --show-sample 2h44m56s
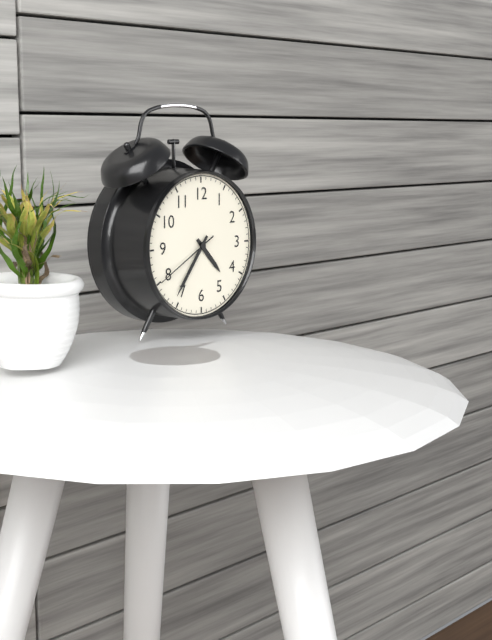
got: 4h36m40s
